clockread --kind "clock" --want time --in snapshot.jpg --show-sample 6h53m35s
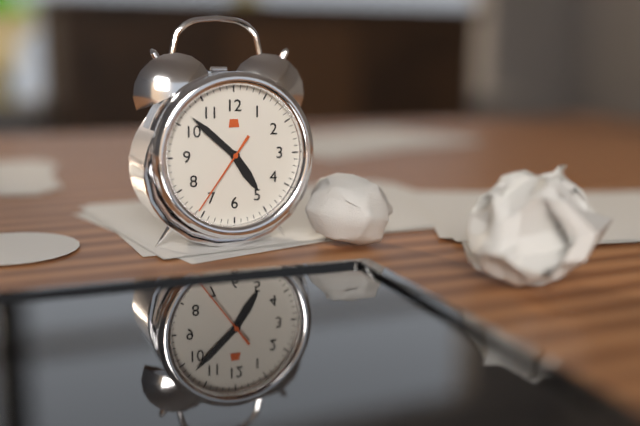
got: 4h52m36s
